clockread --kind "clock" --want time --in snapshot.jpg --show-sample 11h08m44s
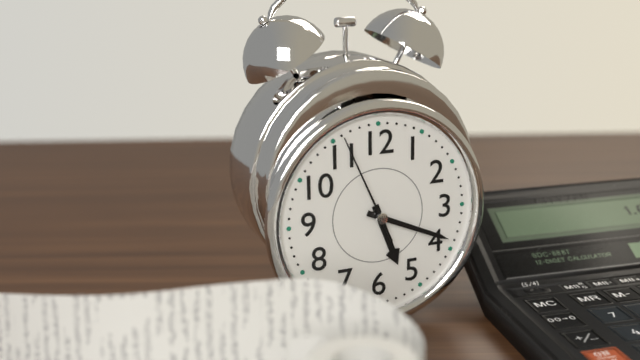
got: 5h19m56s
